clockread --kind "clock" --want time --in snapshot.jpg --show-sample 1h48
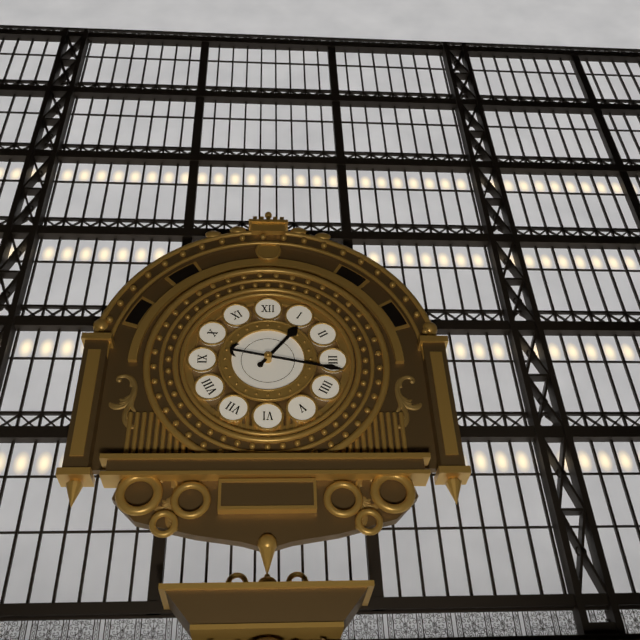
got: 1h17
